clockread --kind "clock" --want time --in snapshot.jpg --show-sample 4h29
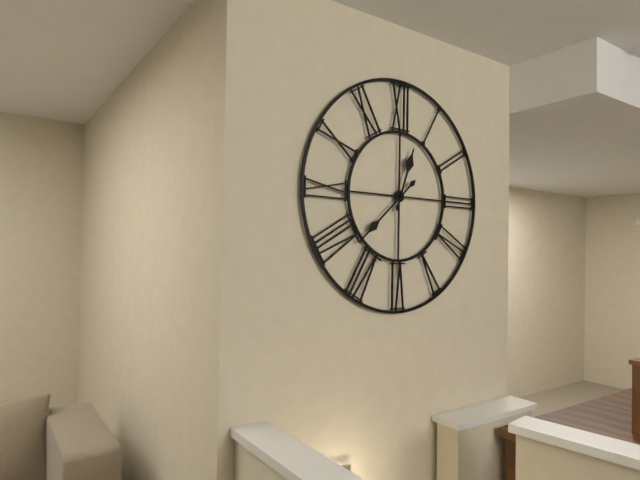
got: 12h38
